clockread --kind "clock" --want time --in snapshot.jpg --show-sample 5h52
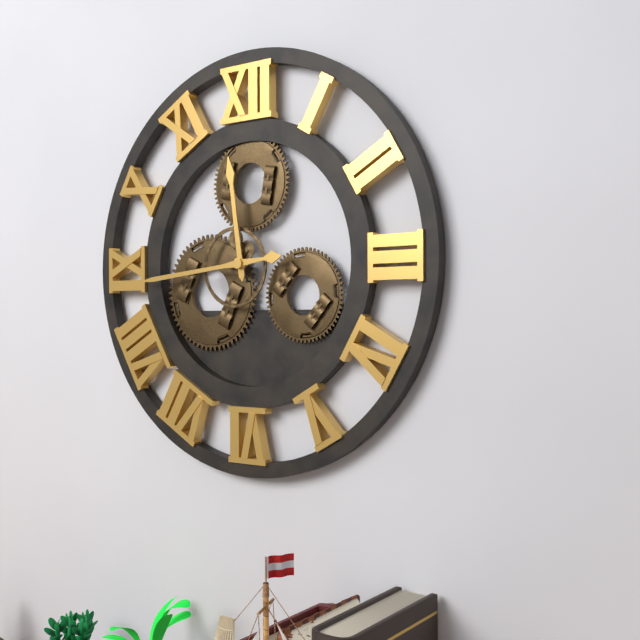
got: 11h44
